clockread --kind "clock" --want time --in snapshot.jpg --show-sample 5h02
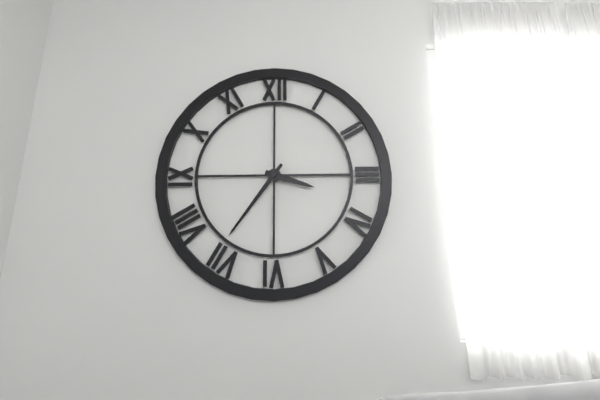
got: 3h36
